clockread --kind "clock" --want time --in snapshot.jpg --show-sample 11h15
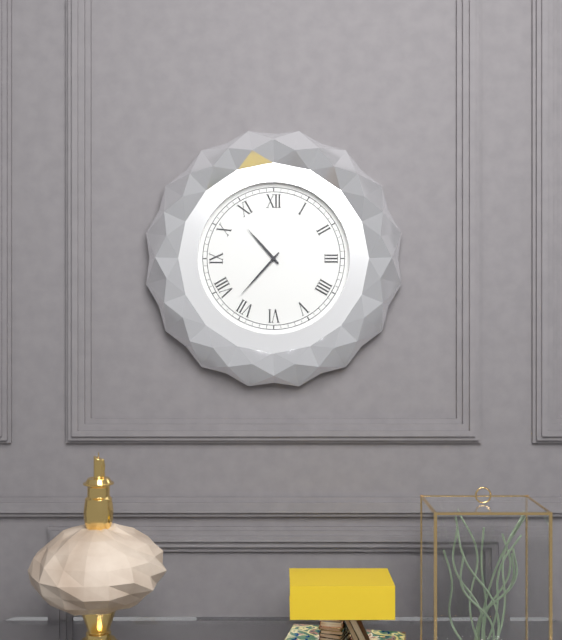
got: 10h37
